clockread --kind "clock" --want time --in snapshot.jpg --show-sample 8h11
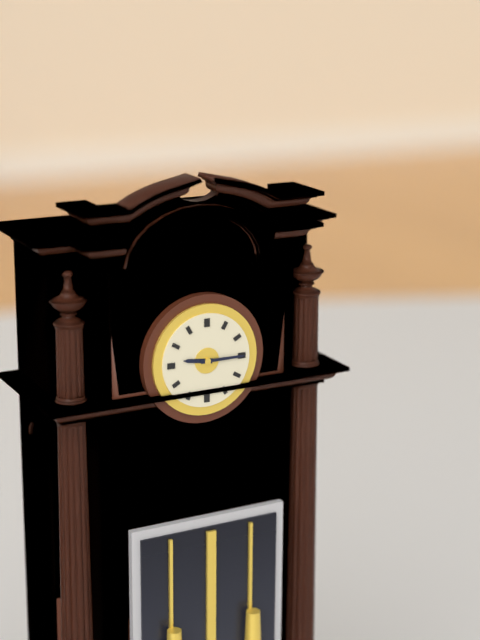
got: 9h15
